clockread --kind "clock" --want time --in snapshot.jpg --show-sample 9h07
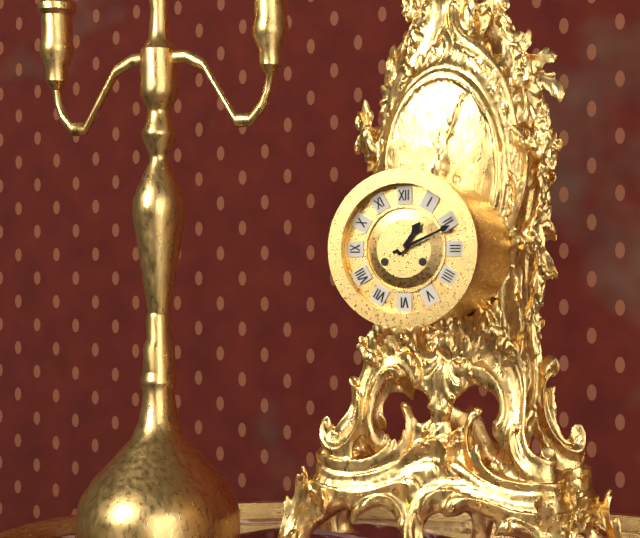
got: 1h11
